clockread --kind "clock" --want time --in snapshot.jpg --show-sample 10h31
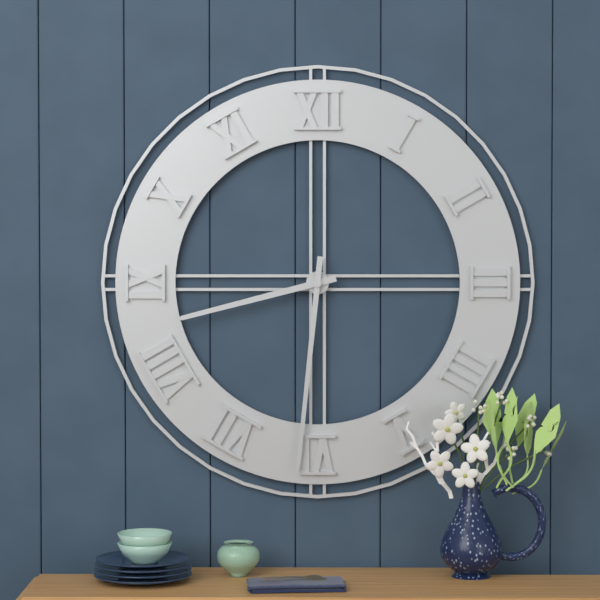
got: 8h31
